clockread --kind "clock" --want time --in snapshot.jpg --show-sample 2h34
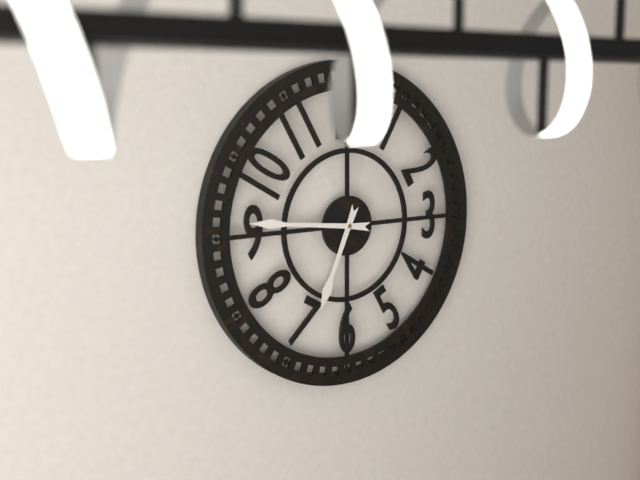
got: 6h46
